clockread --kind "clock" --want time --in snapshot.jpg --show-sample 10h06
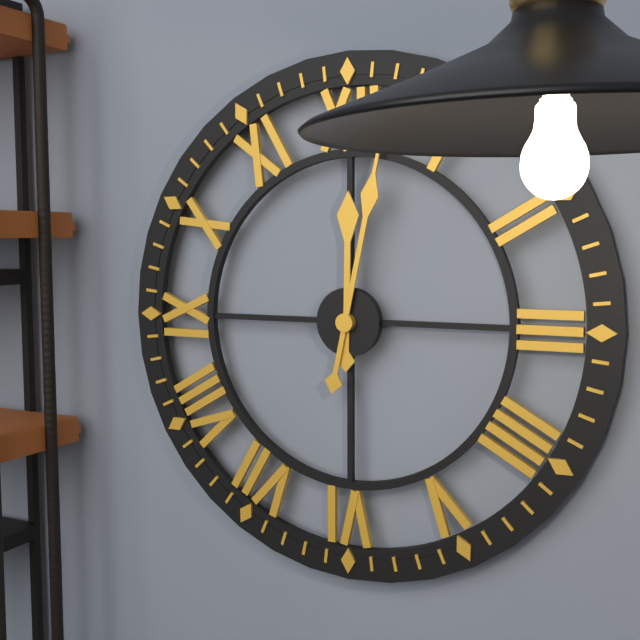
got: 12h02
